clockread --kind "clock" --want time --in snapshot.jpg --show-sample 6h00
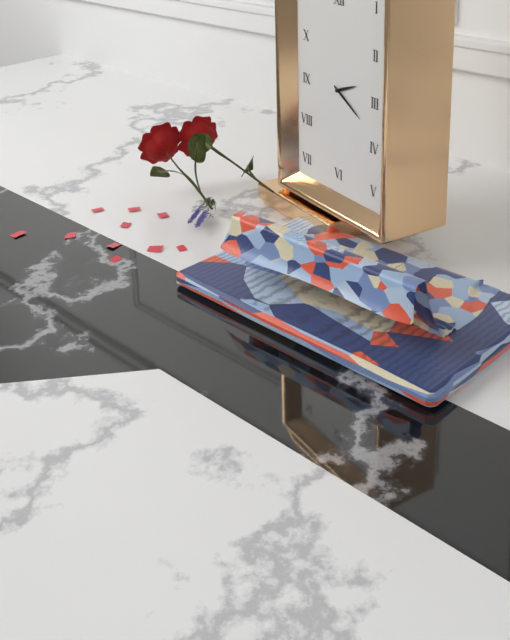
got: 2h20
